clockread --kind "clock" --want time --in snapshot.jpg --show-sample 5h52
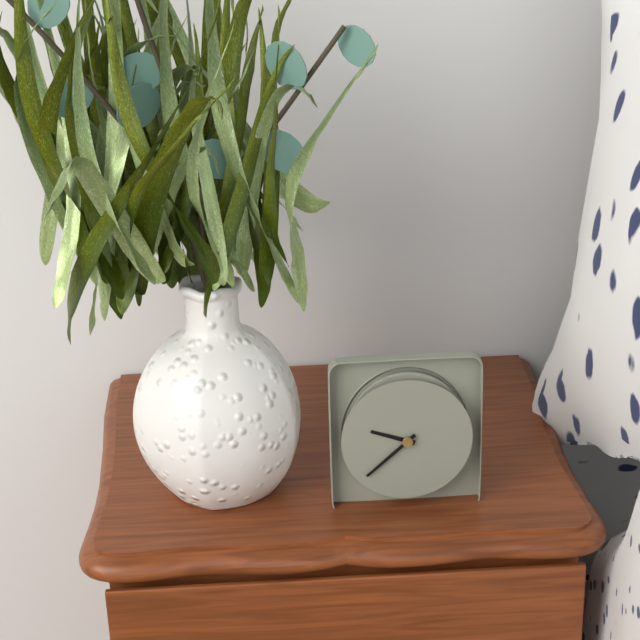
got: 9h38
